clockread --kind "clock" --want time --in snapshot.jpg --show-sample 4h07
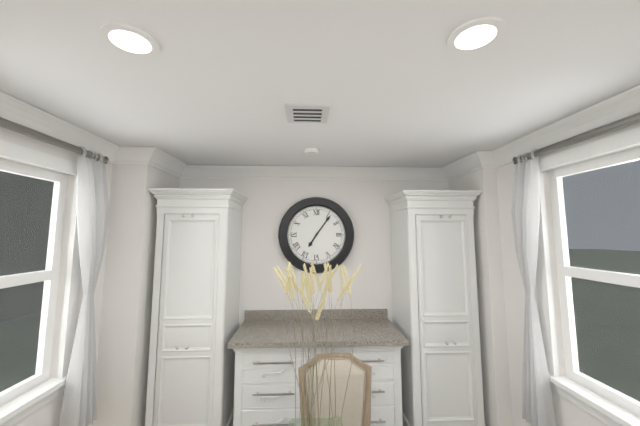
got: 7h06
